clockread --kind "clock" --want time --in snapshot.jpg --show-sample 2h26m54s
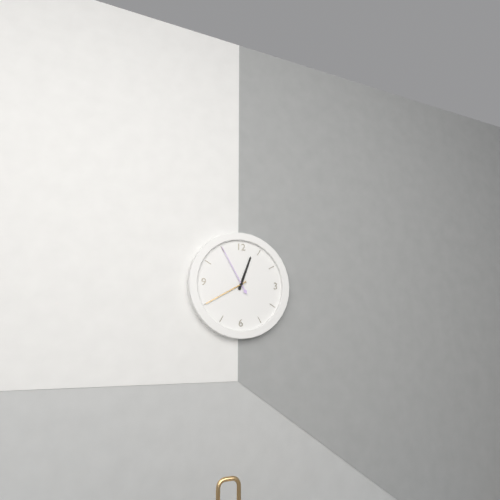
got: 12h40m55s
